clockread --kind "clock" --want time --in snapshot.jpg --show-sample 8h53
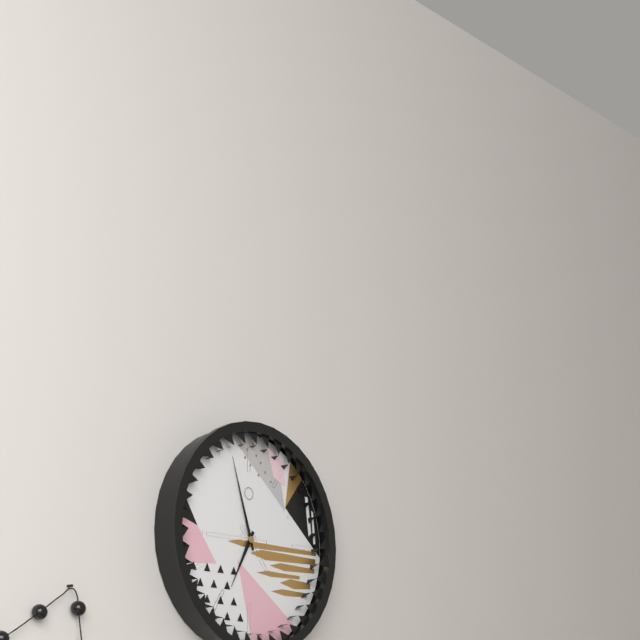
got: 6h57
